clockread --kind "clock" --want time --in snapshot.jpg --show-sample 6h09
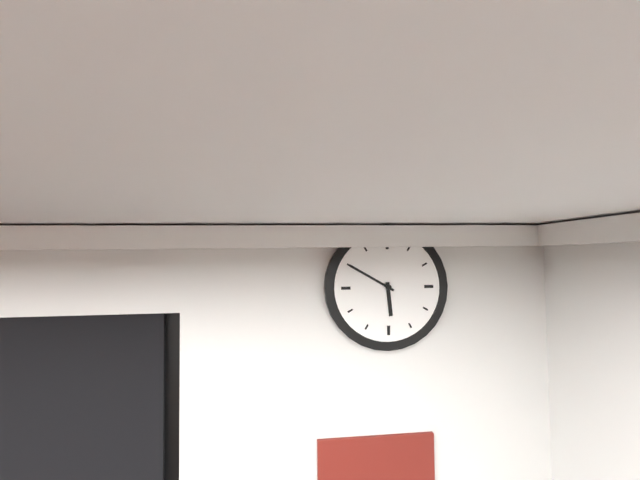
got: 5h50
